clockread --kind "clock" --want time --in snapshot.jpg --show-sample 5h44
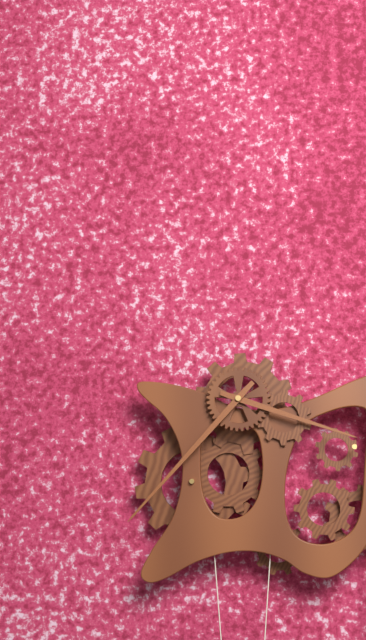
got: 3h37
